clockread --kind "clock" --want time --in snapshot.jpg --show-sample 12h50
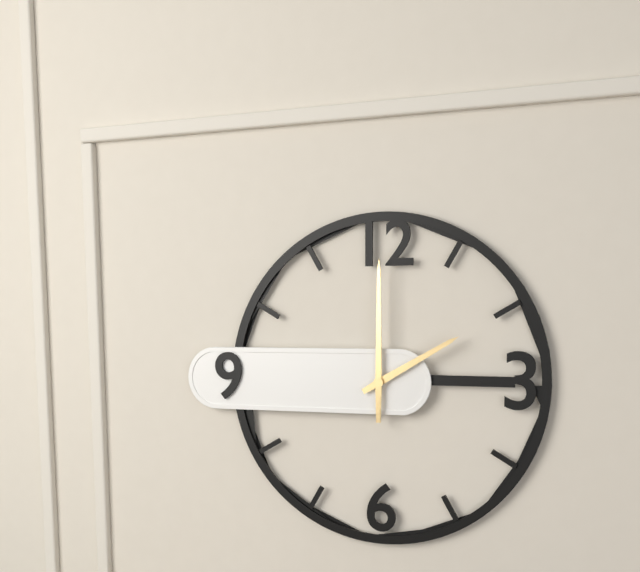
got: 2h00
